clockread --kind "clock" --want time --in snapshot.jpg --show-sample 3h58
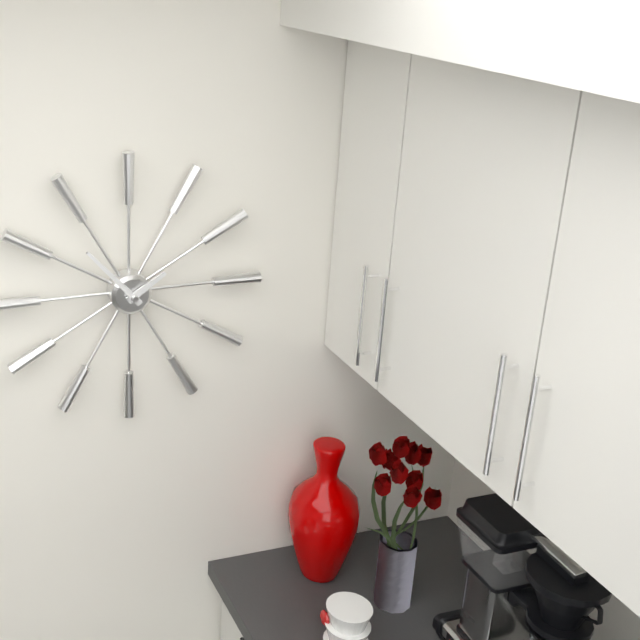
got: 1h53
